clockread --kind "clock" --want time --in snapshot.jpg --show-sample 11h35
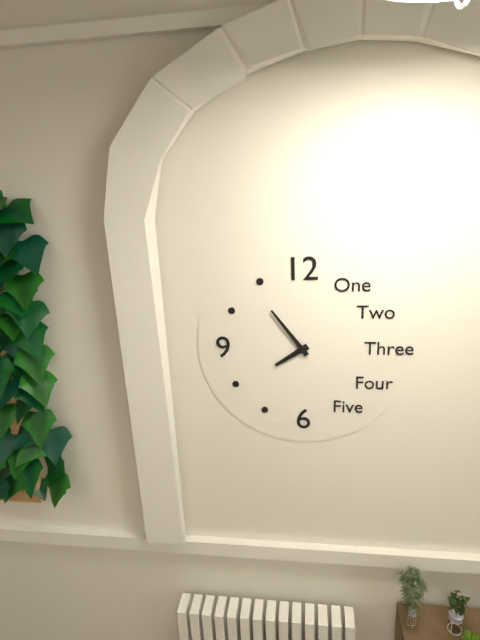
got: 7h54
